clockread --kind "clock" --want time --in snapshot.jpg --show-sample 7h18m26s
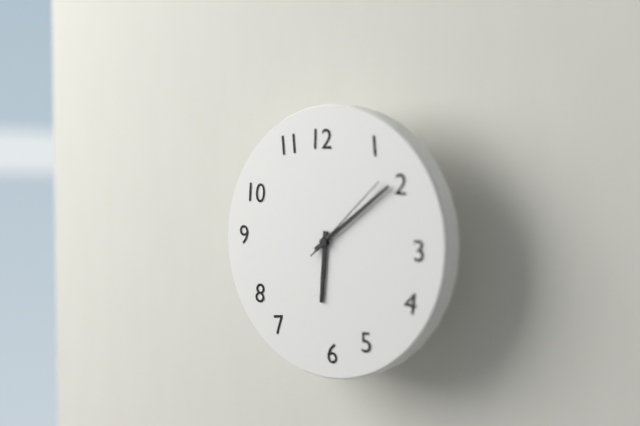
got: 6h09m08s
